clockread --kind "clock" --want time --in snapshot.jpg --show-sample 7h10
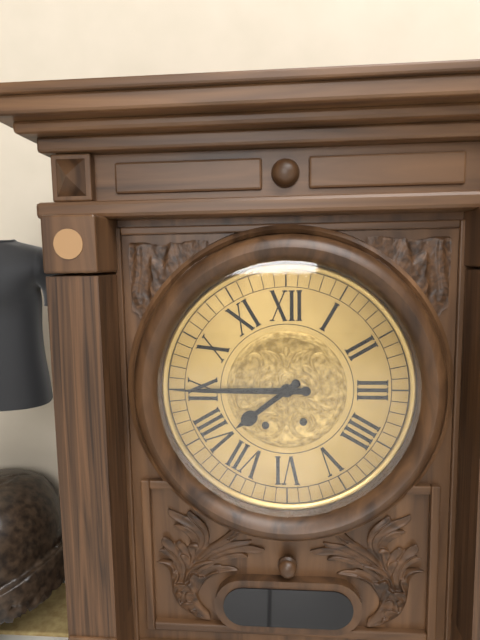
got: 7h45
